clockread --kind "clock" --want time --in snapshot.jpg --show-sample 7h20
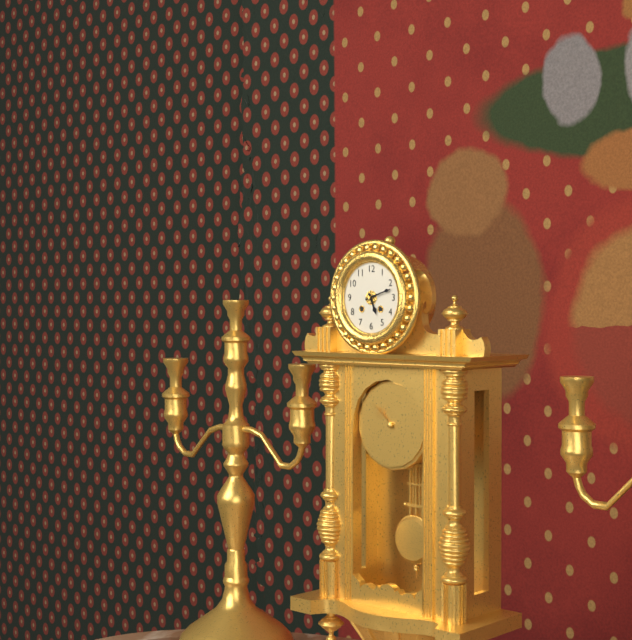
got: 5h12
